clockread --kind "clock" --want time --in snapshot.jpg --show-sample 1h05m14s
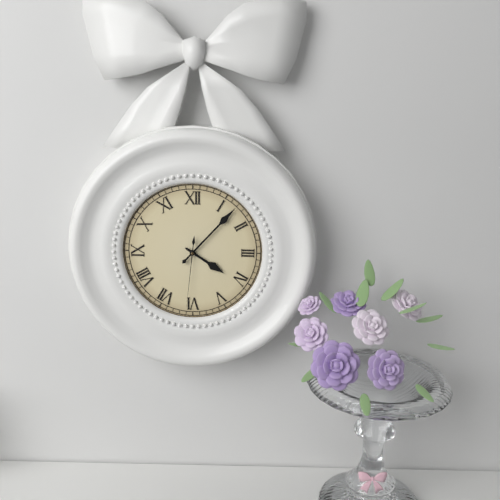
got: 4h07m31s
